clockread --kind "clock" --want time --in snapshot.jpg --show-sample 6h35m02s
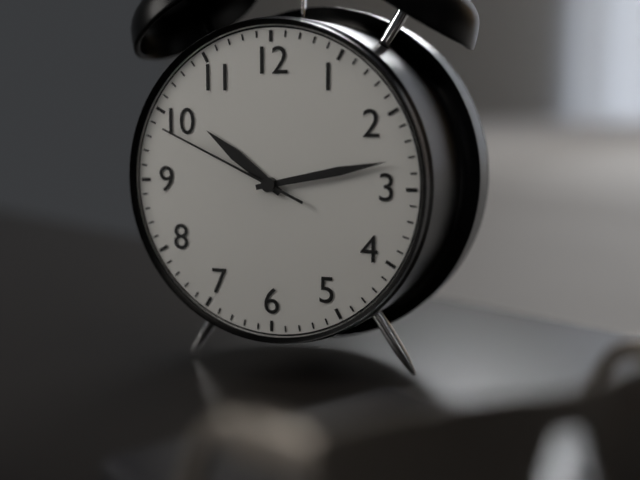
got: 10h13m49s
